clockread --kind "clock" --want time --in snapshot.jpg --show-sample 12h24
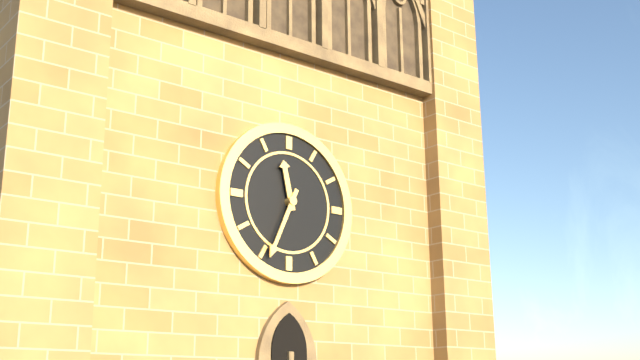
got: 11h34
